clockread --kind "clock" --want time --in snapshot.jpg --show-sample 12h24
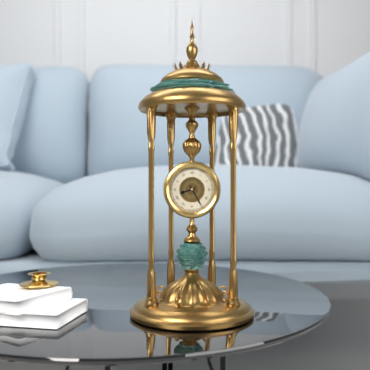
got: 8h25
